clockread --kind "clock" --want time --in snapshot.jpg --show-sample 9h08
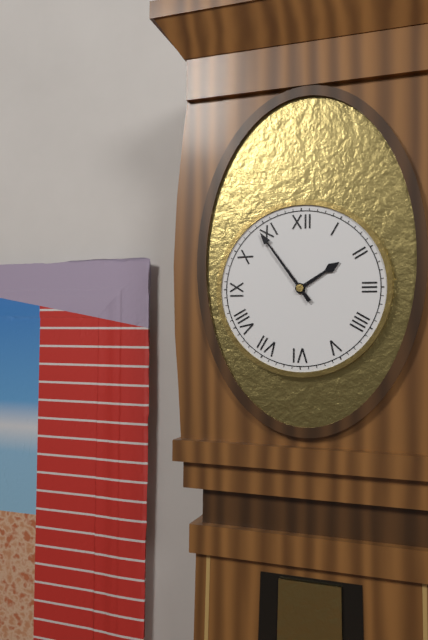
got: 1h54
